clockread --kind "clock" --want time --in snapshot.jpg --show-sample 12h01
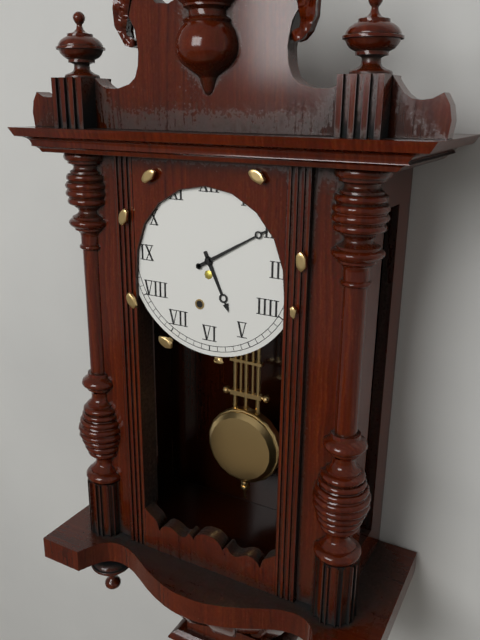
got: 5h10
